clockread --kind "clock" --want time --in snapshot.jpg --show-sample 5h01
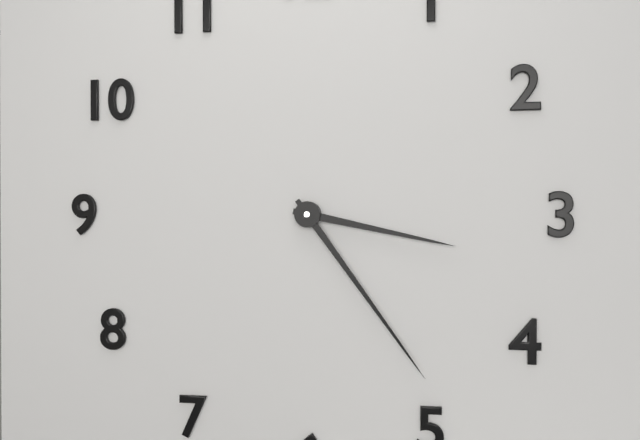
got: 3h24
